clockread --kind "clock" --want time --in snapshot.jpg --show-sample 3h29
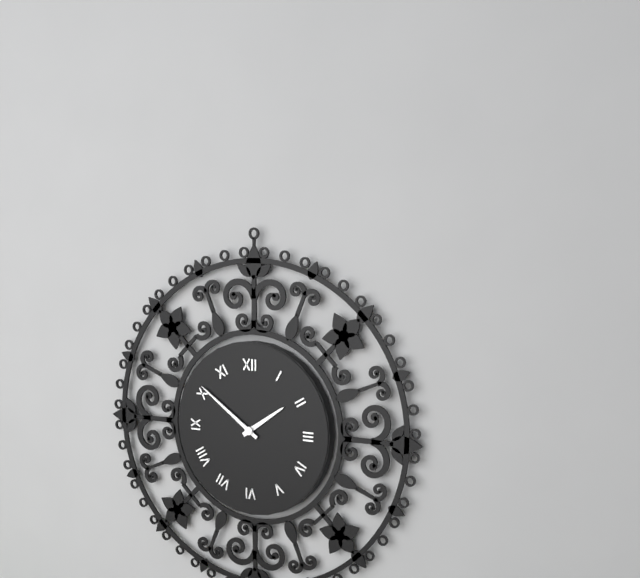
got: 1h51
